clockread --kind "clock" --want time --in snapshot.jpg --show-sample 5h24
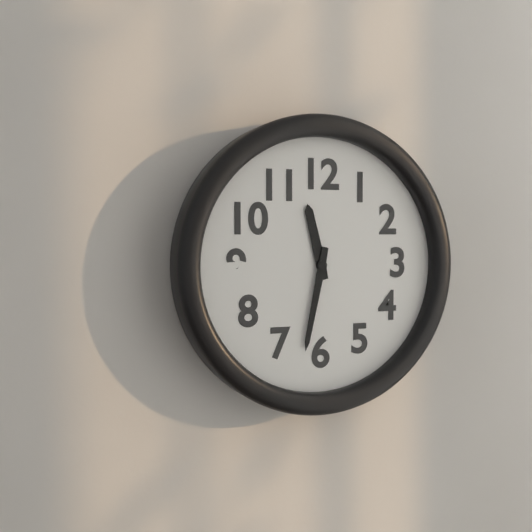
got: 11h32
